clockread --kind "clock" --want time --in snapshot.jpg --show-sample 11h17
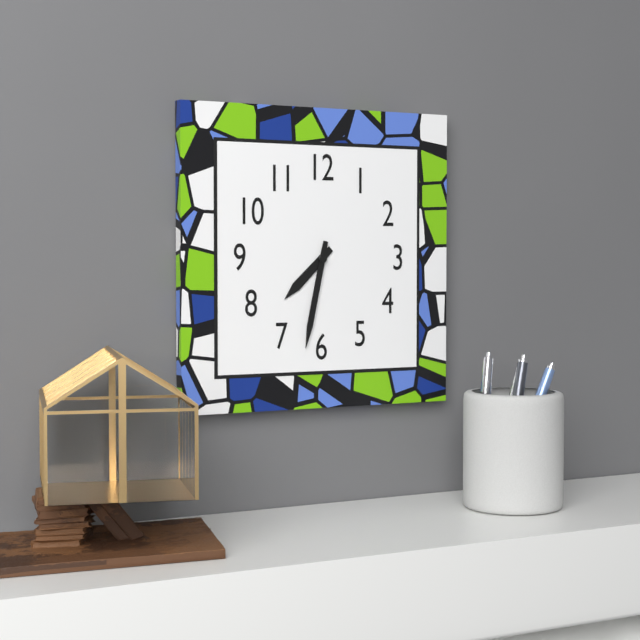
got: 7h32
